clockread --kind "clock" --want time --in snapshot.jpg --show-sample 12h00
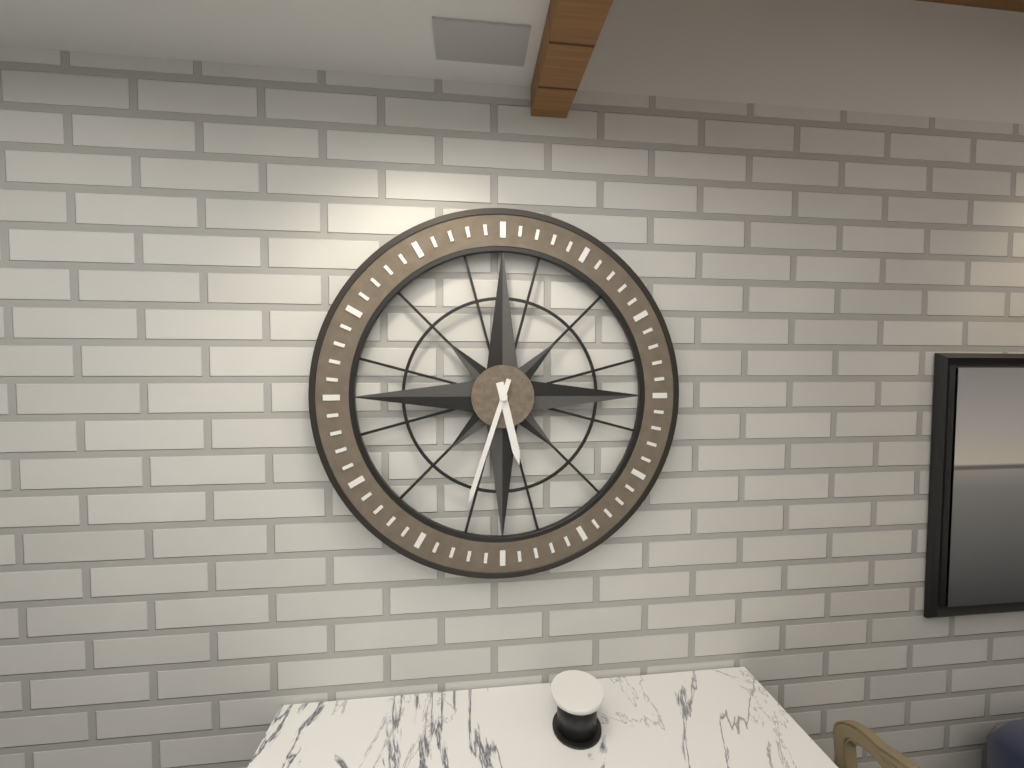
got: 5h33
